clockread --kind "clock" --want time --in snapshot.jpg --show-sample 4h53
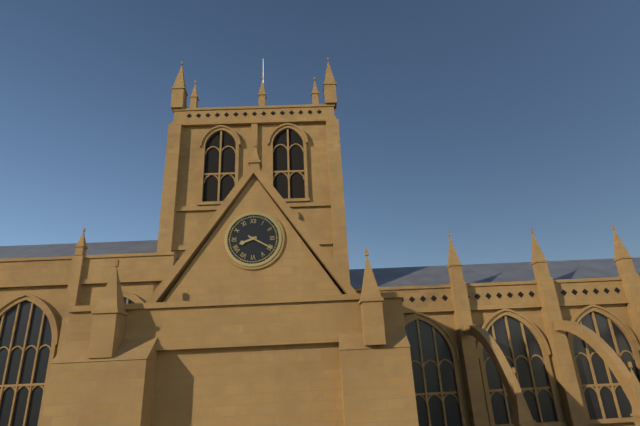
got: 8h20
